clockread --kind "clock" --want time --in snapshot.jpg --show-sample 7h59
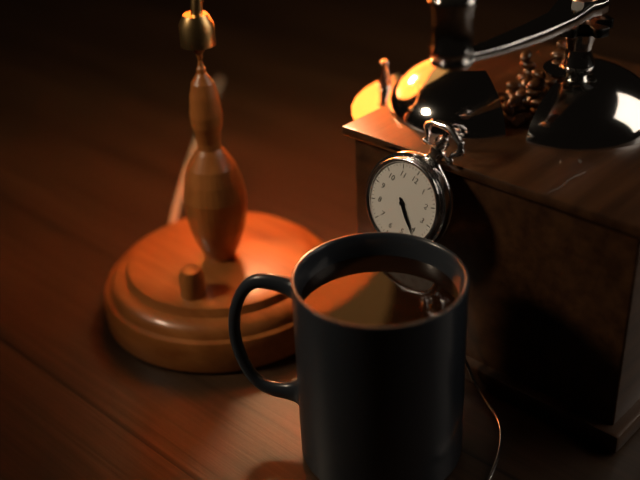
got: 4h21
